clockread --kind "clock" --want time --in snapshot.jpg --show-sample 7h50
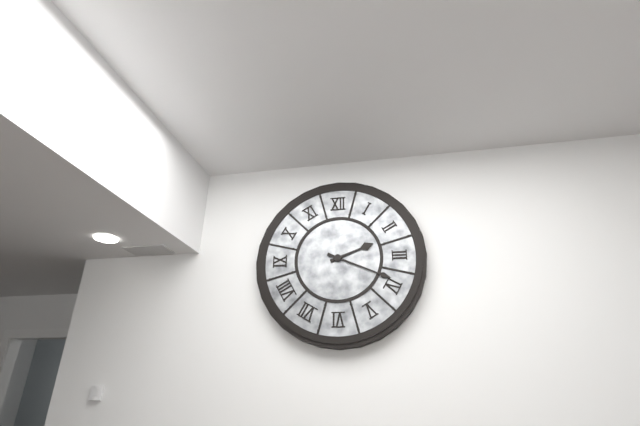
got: 2h19
